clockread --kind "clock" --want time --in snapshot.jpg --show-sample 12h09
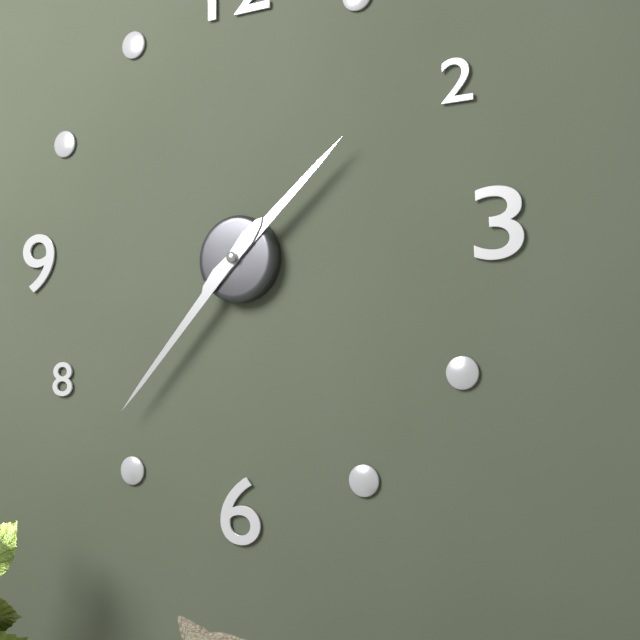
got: 1h37
